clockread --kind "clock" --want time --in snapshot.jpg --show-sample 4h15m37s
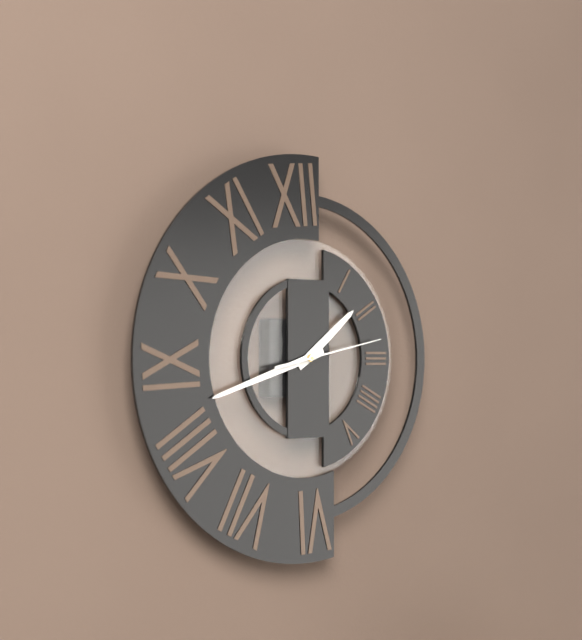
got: 1h42m13s
